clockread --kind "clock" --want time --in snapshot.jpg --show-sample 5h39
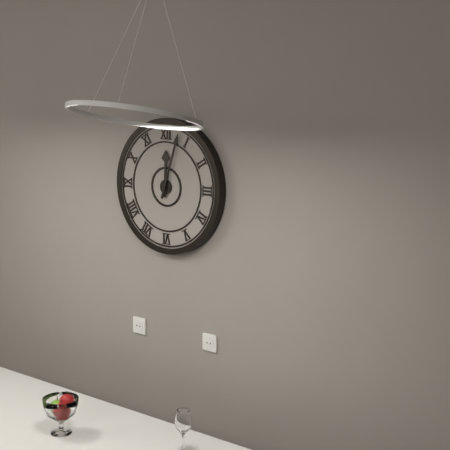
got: 12h03
